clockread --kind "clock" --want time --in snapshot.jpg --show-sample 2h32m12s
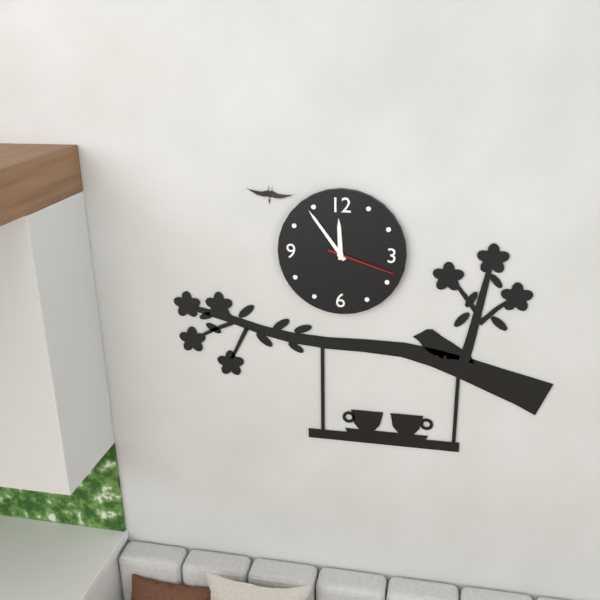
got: 11h54m18s
